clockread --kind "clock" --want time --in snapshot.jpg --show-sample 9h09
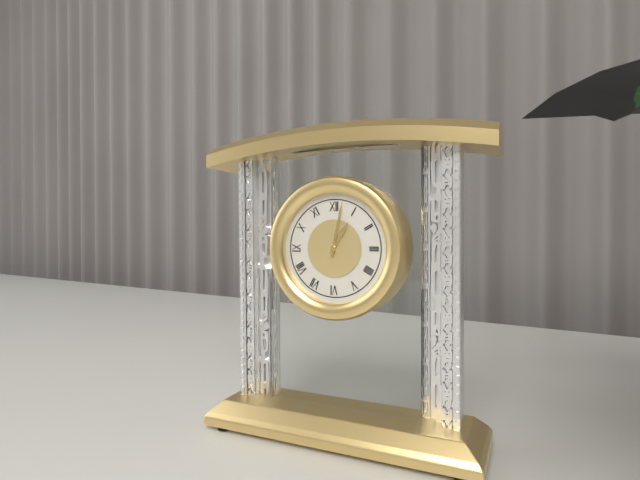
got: 1h02
